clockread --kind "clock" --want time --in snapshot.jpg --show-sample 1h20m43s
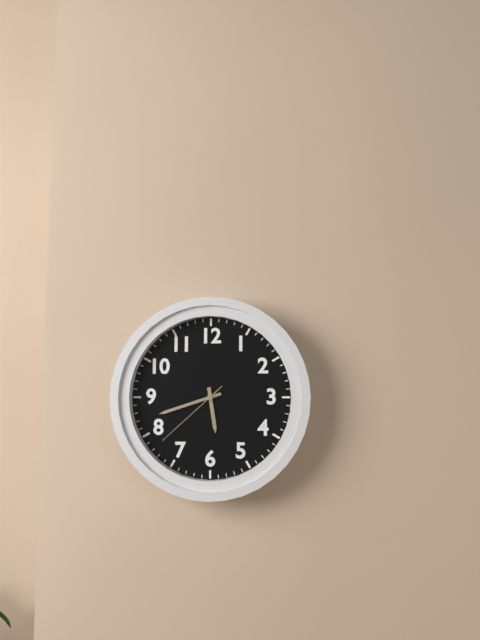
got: 5h42m38s
